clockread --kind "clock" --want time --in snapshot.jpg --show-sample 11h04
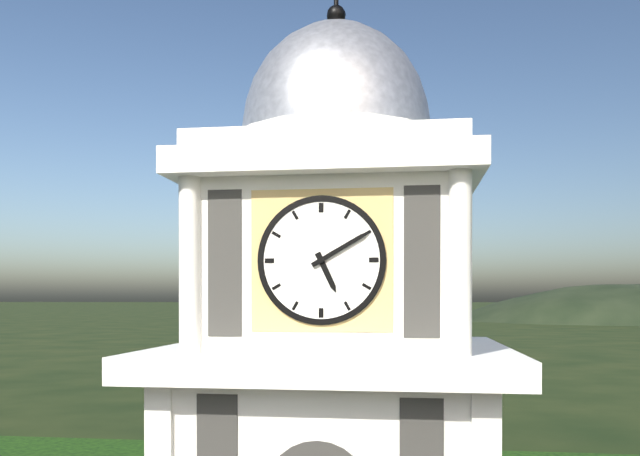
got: 5h10
